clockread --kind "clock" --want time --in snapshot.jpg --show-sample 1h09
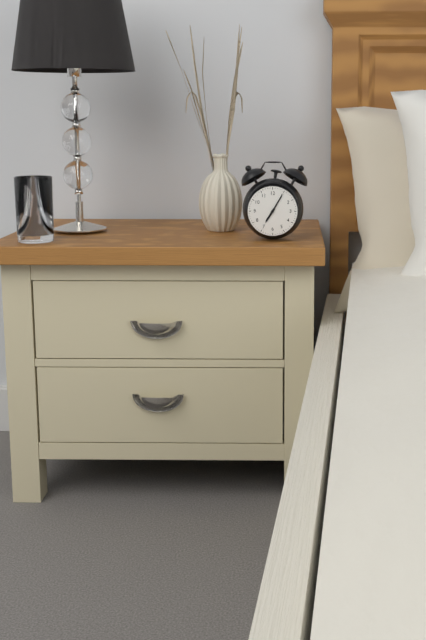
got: 7h05
